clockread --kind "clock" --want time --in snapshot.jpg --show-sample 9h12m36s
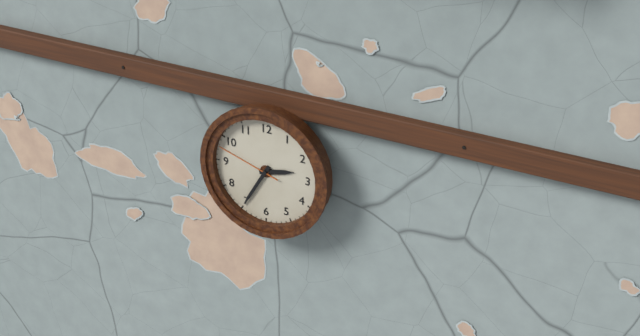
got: 2h35m48s
